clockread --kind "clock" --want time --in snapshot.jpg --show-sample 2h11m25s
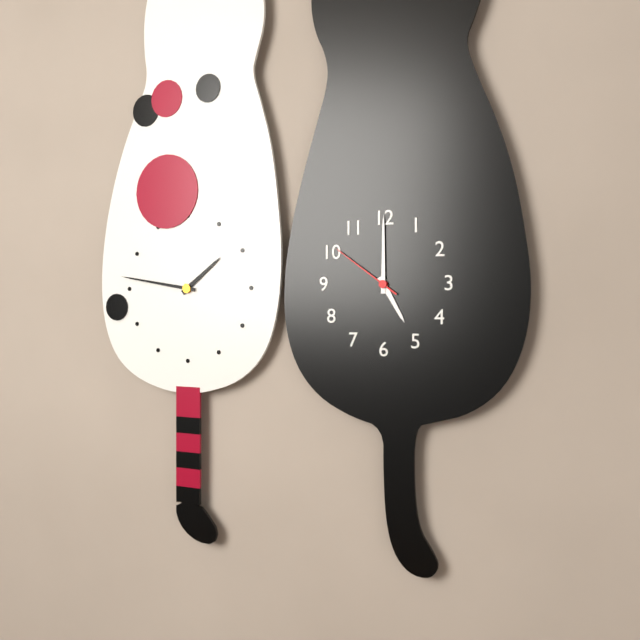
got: 5h00m51s
